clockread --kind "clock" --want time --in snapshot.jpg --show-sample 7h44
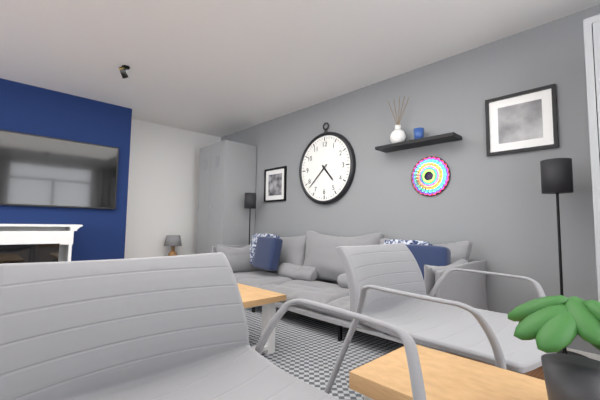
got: 4h38
